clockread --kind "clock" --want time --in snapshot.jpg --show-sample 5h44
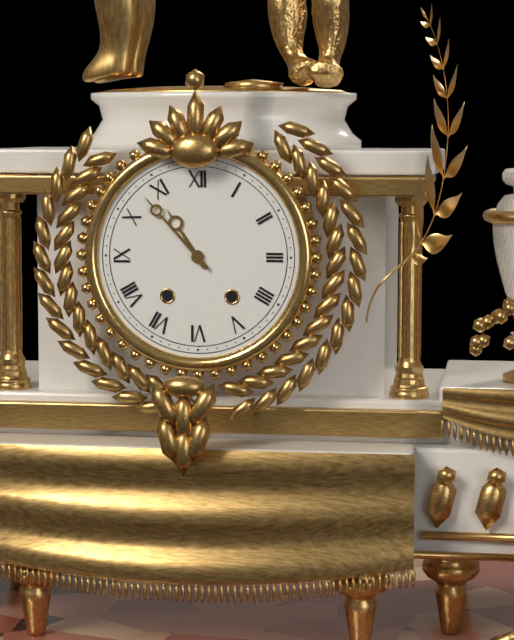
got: 10h53
